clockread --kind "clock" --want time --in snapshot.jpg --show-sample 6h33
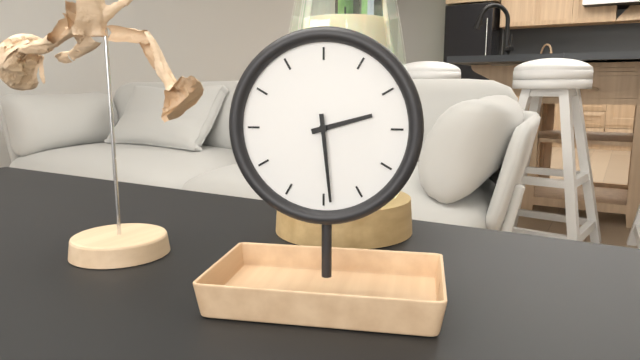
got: 2h29
